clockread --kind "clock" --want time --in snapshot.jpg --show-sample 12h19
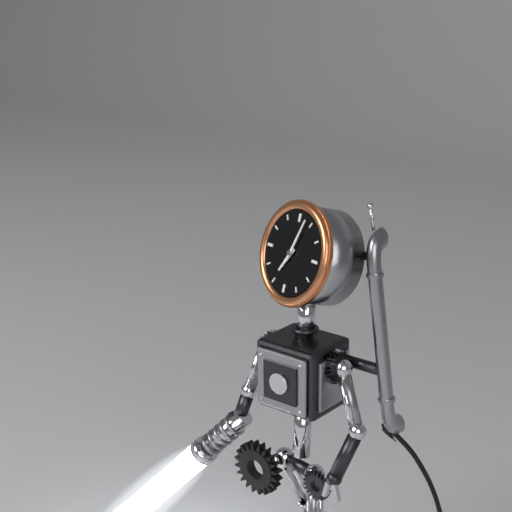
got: 7h03
